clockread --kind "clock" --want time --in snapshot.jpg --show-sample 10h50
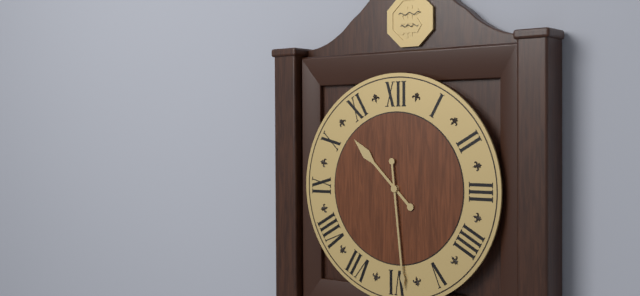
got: 10h29
